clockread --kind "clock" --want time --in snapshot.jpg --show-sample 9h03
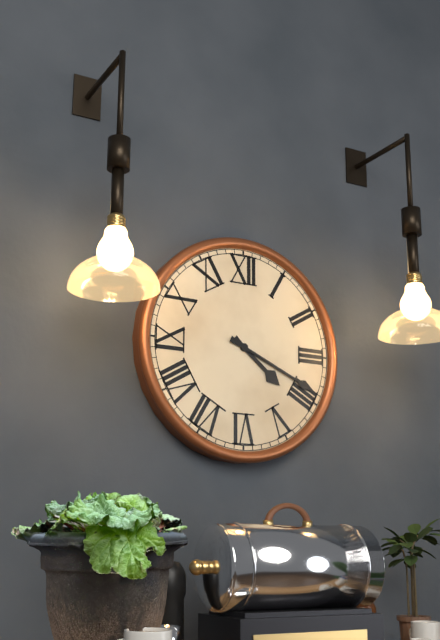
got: 4h19
